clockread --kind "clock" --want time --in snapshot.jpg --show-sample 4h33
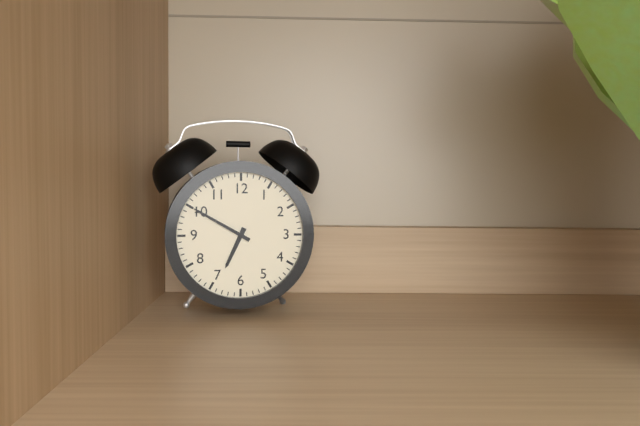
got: 6h50
